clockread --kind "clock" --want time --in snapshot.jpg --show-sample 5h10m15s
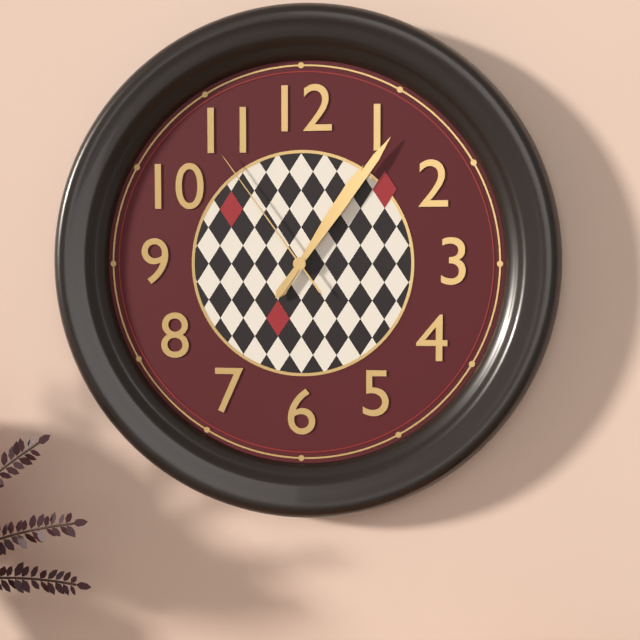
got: 1h06m54s
